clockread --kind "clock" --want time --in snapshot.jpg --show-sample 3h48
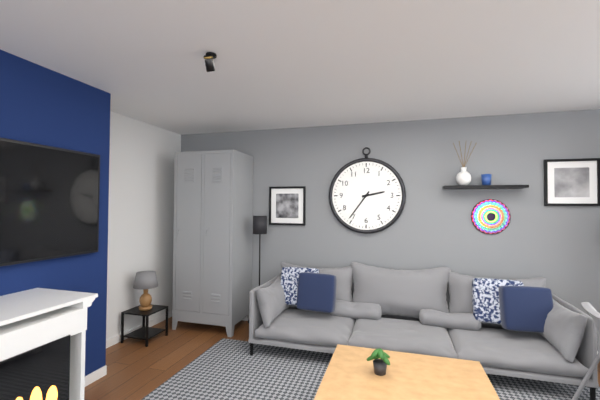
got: 2h36
